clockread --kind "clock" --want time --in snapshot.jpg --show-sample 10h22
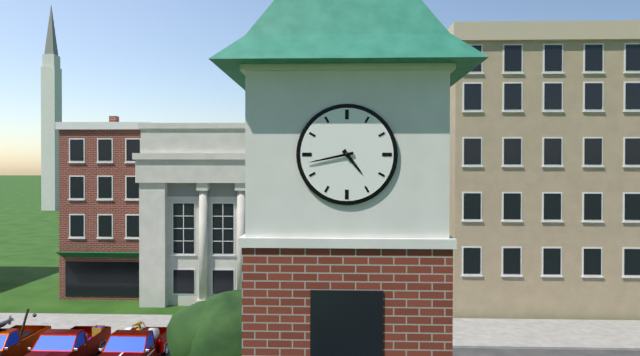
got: 4h43
